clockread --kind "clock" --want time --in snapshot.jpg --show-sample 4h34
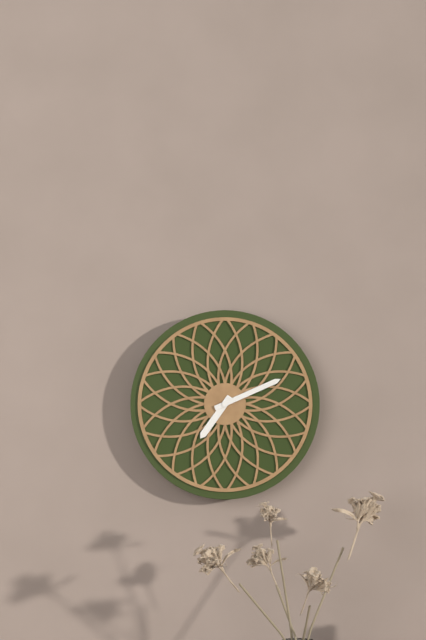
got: 7h11
